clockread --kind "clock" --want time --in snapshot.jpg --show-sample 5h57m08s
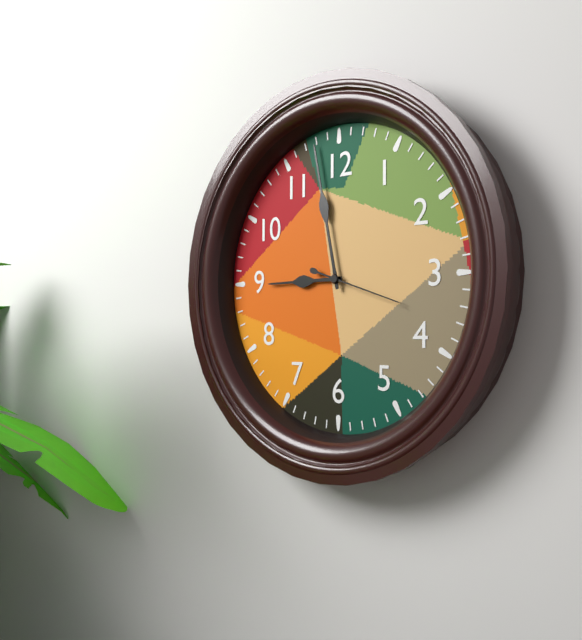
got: 8h58m18s
